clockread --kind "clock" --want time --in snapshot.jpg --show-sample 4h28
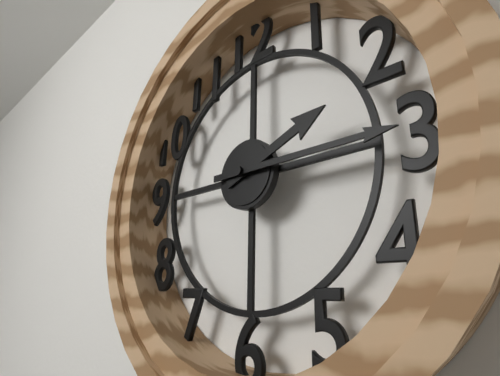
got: 2h15
